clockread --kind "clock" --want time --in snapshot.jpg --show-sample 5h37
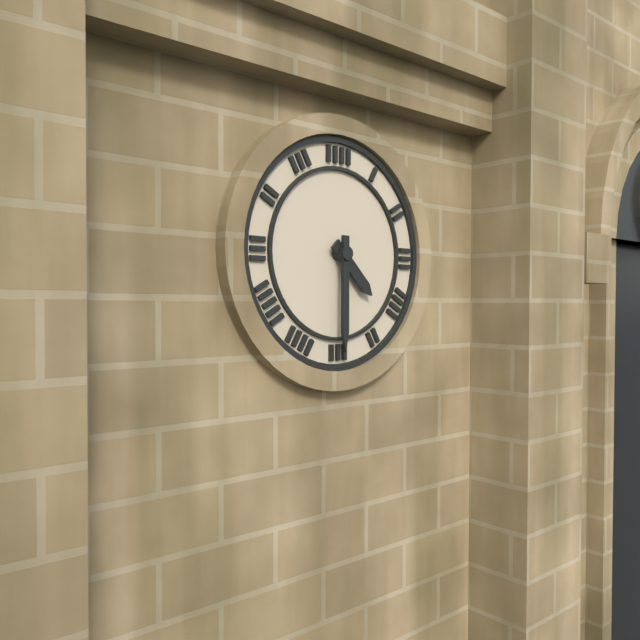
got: 4h30
